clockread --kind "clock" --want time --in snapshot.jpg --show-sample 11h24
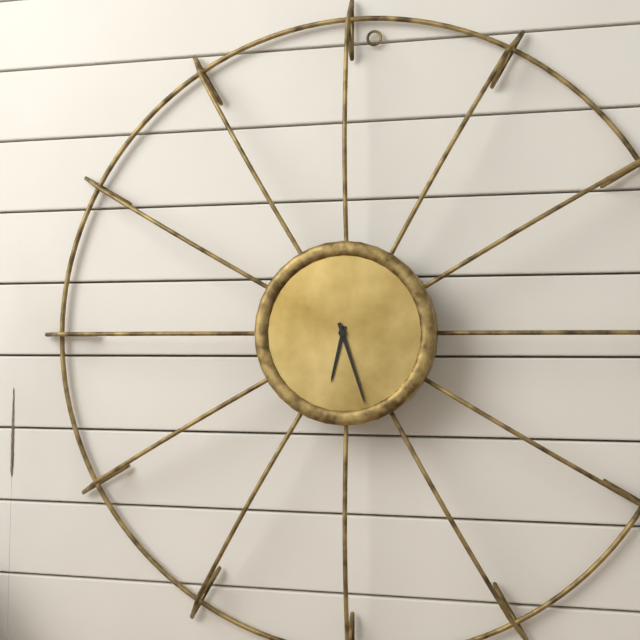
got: 6h27
